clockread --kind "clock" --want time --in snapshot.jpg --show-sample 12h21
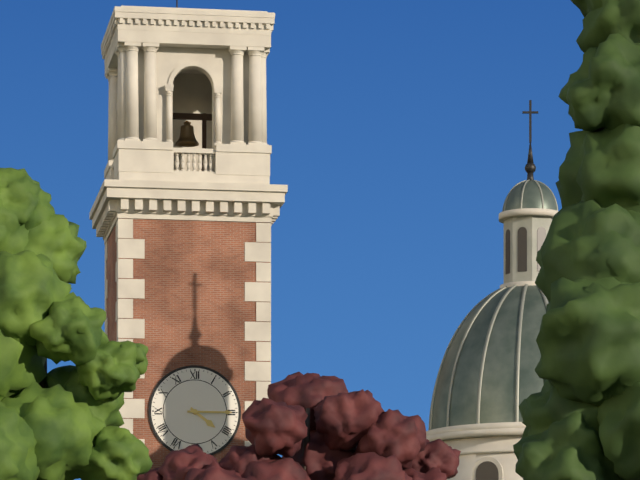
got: 4h15
